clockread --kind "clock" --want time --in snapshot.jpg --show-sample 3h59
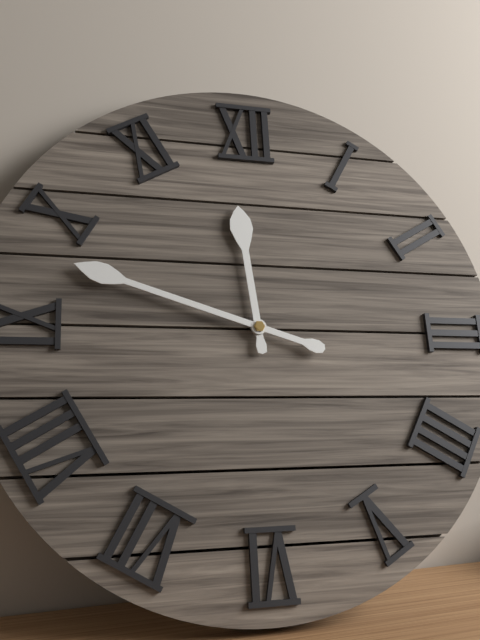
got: 11h48
